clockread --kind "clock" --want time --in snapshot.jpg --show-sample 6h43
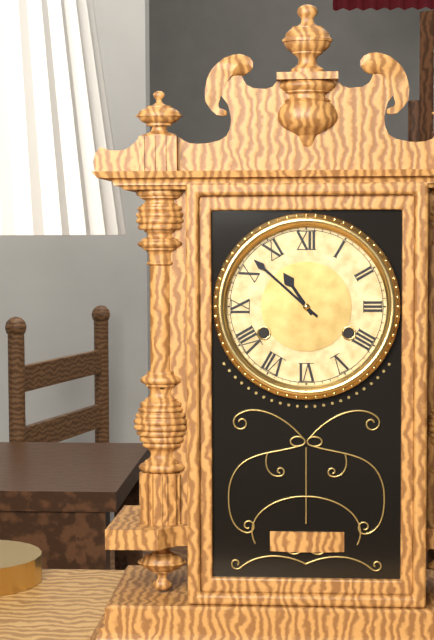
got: 10h52
